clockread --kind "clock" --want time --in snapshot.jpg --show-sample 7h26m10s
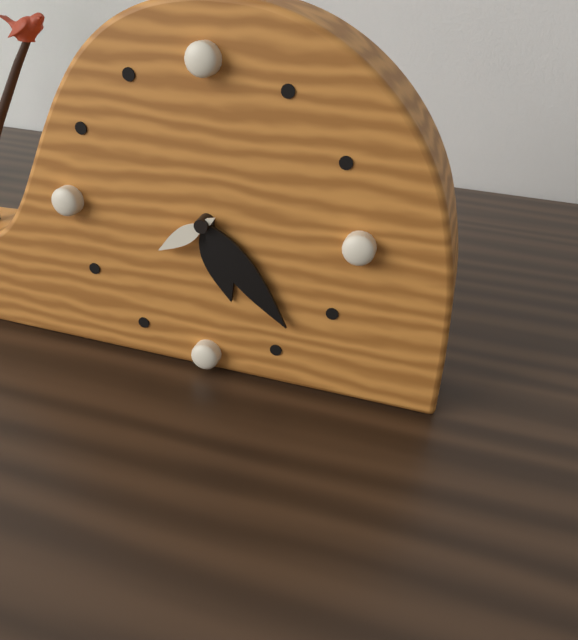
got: 5h23m39s
